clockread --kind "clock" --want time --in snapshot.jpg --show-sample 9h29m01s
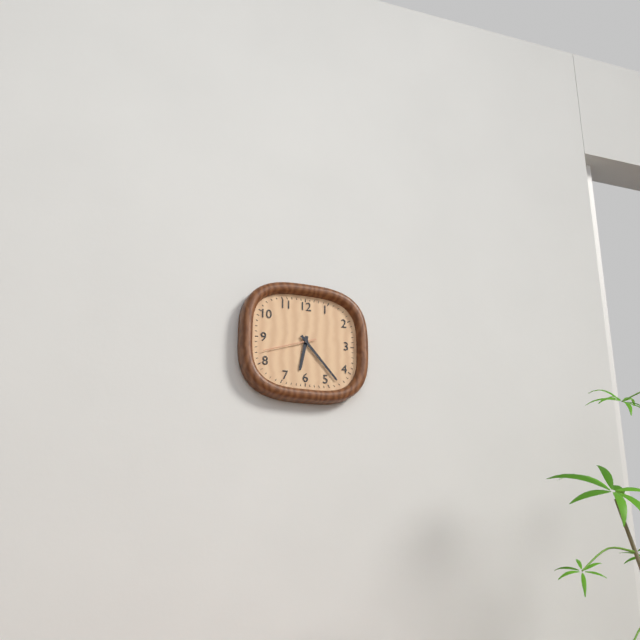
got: 6h23m42s
